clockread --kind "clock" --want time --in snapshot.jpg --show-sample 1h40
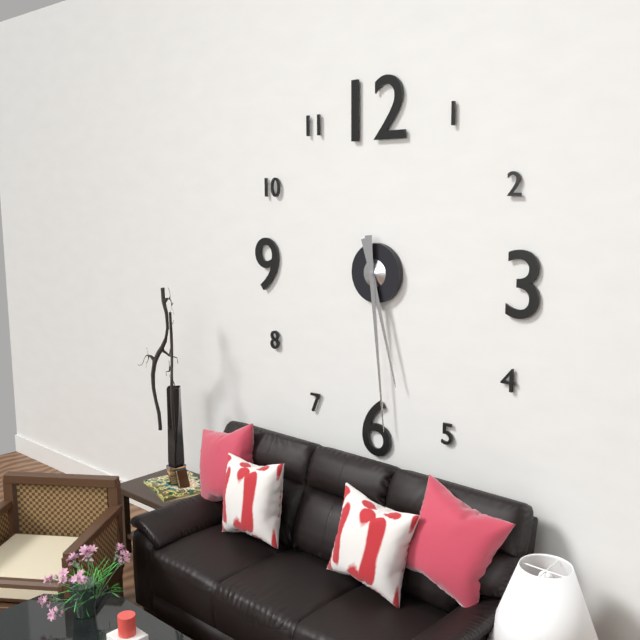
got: 5h29
